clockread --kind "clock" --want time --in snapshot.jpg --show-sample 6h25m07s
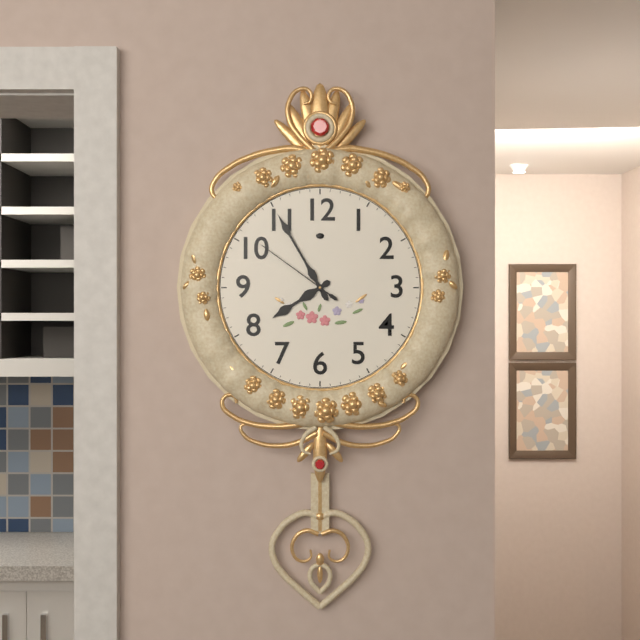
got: 7h55m51s
